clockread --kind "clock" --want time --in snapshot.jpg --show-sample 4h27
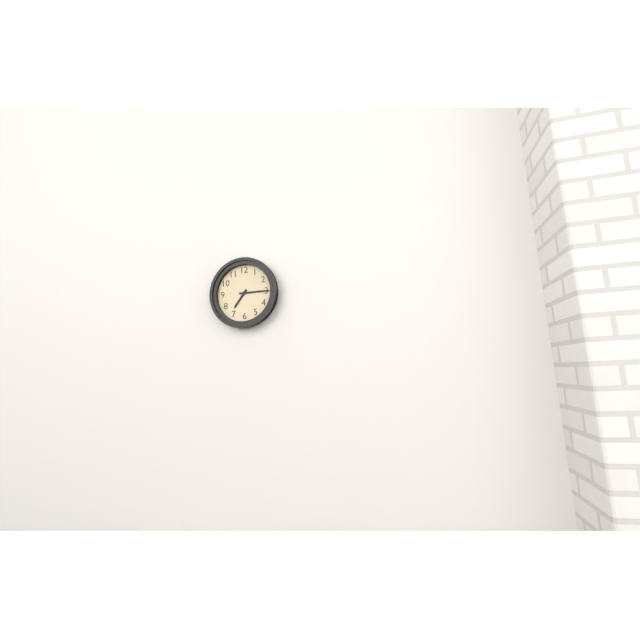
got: 7h15
